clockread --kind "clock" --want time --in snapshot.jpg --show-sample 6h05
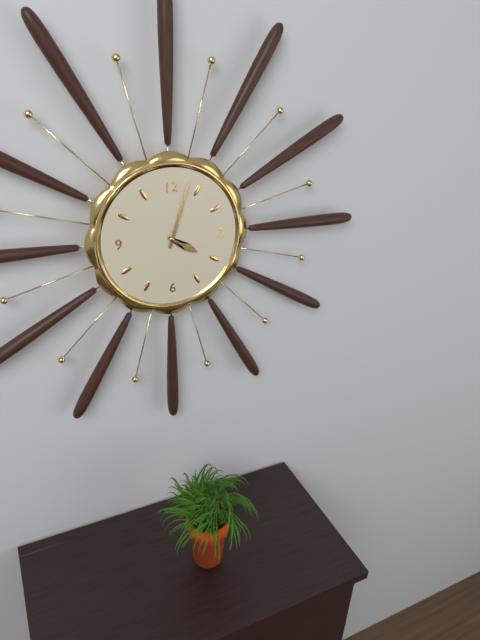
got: 4h03
